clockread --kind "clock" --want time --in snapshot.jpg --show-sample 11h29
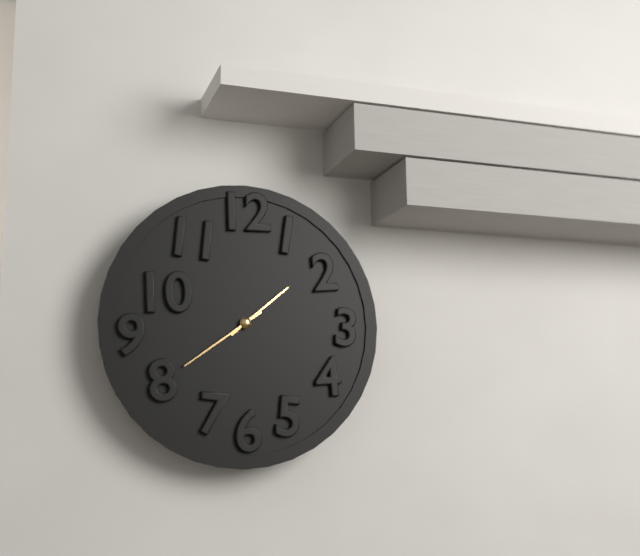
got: 1h39
